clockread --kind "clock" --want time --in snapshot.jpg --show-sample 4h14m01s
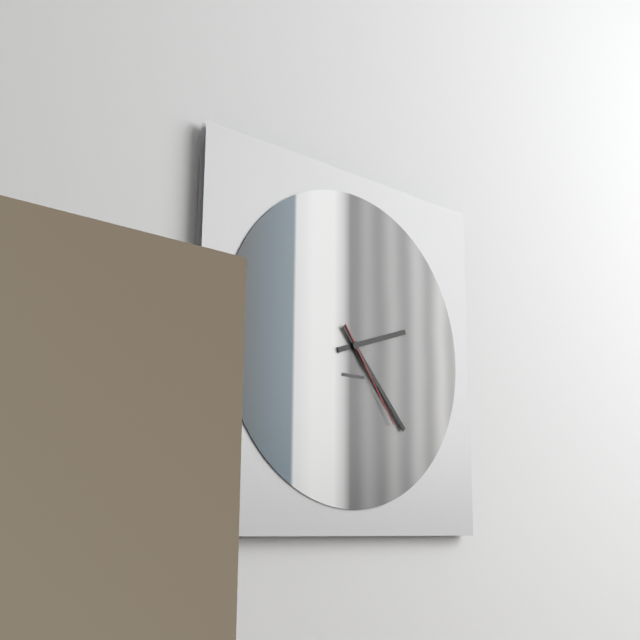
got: 2h23m24s
